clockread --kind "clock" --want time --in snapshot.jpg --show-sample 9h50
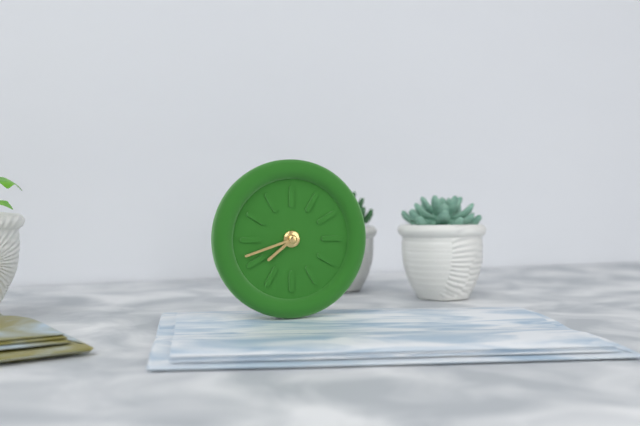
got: 7h42
